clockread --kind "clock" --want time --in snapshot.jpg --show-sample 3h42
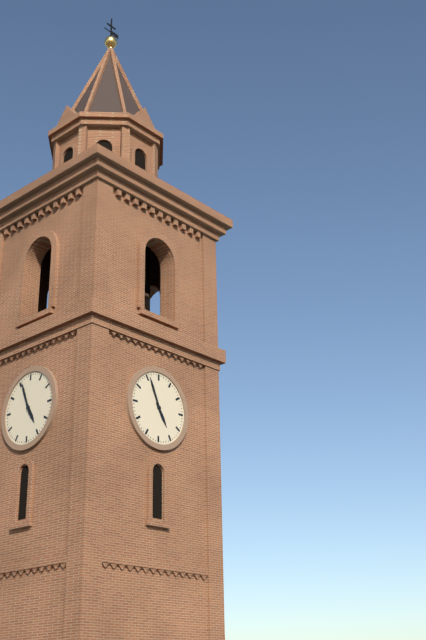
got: 4h56
